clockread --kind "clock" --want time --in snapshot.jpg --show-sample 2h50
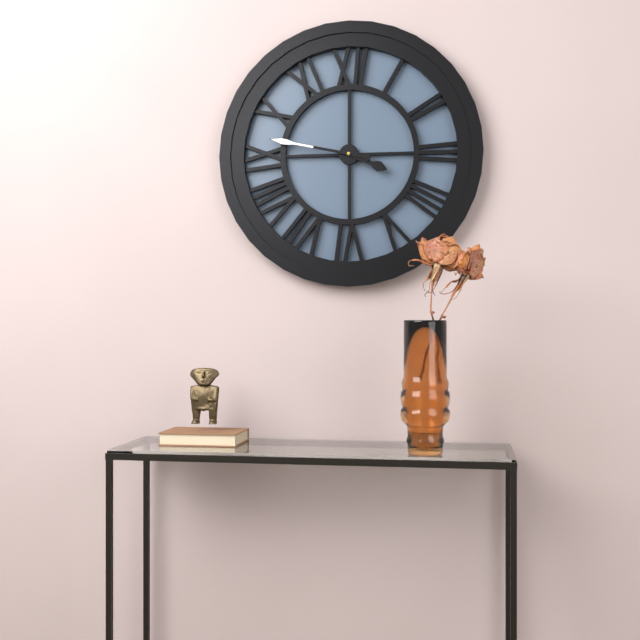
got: 3h47
